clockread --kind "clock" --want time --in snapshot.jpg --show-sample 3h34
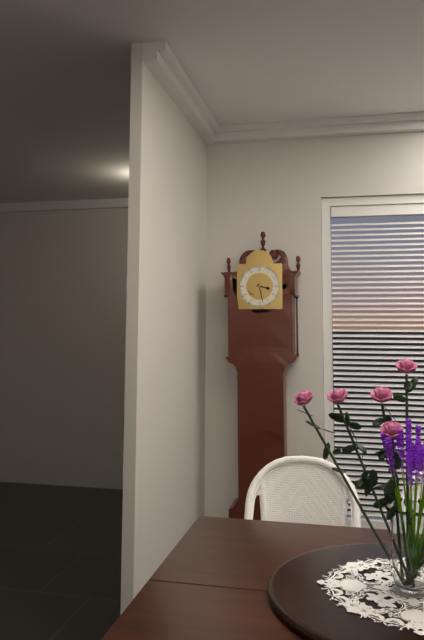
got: 3h28
